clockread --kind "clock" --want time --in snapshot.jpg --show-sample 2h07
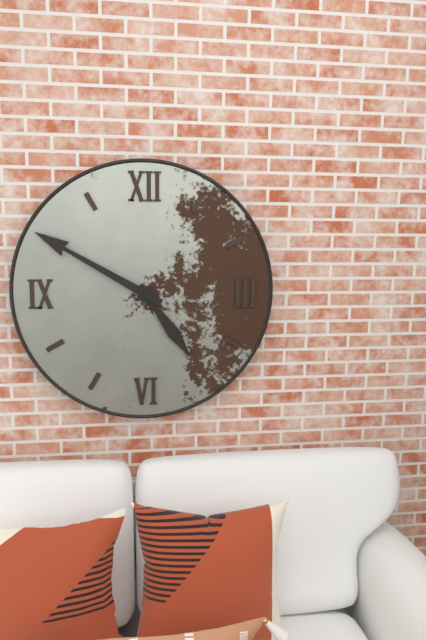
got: 4h50
